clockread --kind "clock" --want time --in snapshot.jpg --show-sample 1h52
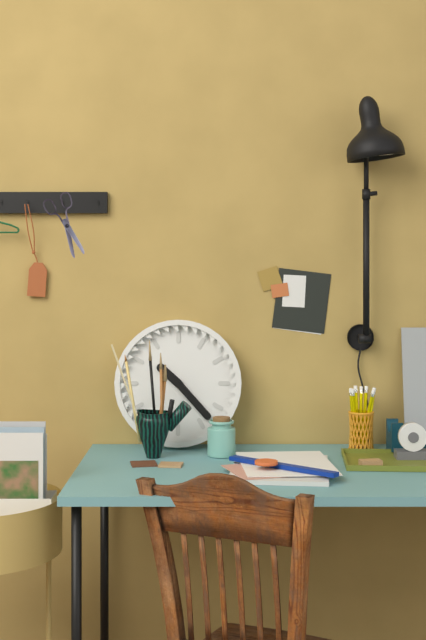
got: 10h23
